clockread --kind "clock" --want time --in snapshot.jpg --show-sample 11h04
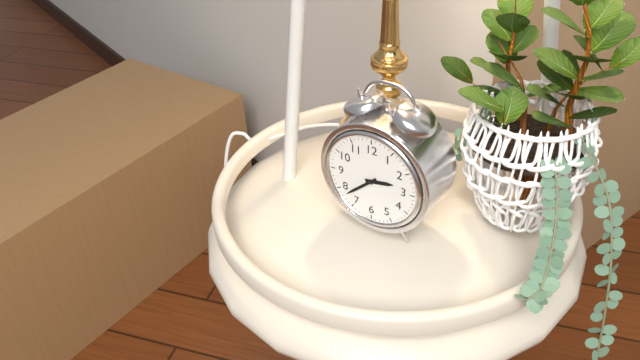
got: 2h38
